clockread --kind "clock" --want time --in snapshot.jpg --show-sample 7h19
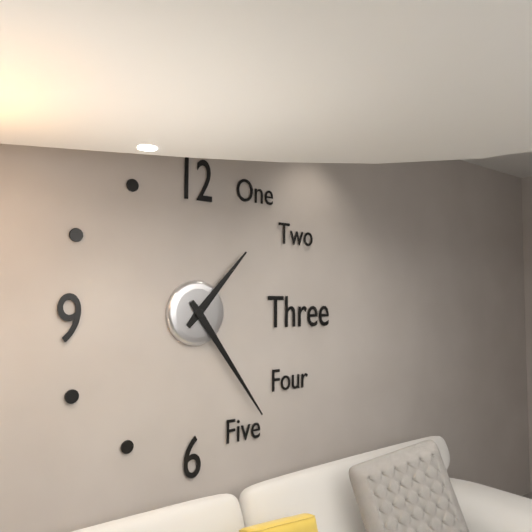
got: 1h24
